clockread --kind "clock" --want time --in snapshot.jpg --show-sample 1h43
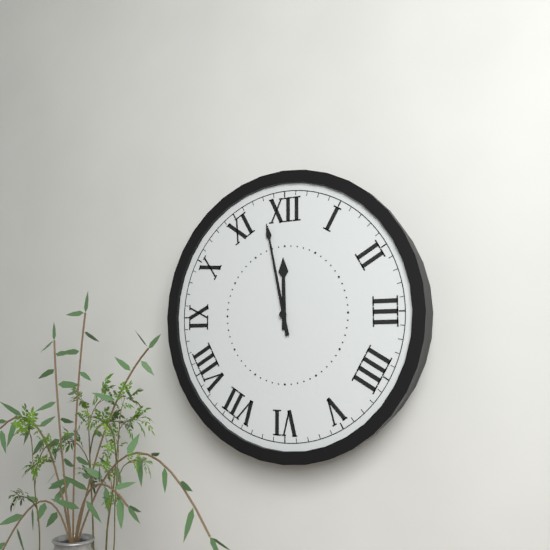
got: 11h58
